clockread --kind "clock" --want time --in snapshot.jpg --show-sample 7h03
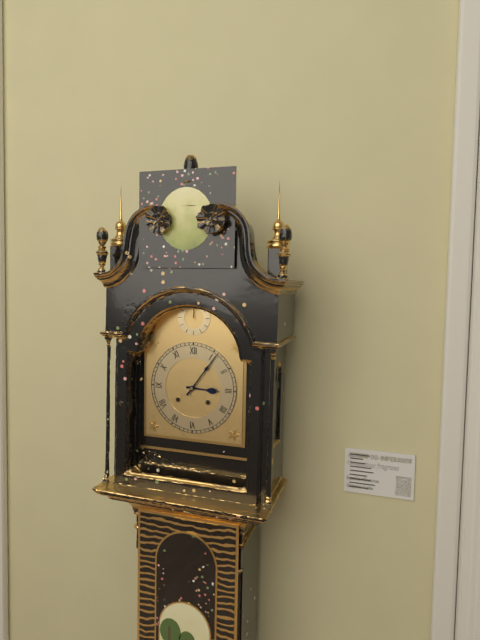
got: 3h06
